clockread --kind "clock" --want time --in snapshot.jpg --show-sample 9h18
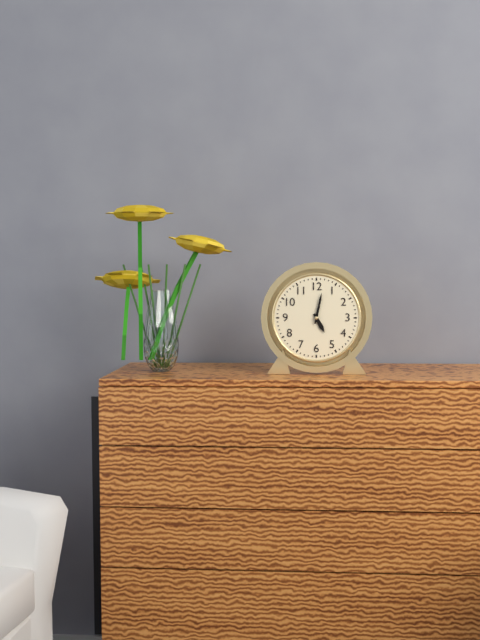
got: 5h02
